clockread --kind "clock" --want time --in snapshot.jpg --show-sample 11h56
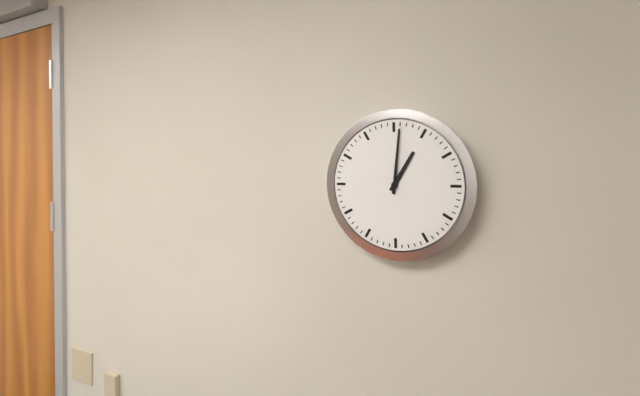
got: 1h01
